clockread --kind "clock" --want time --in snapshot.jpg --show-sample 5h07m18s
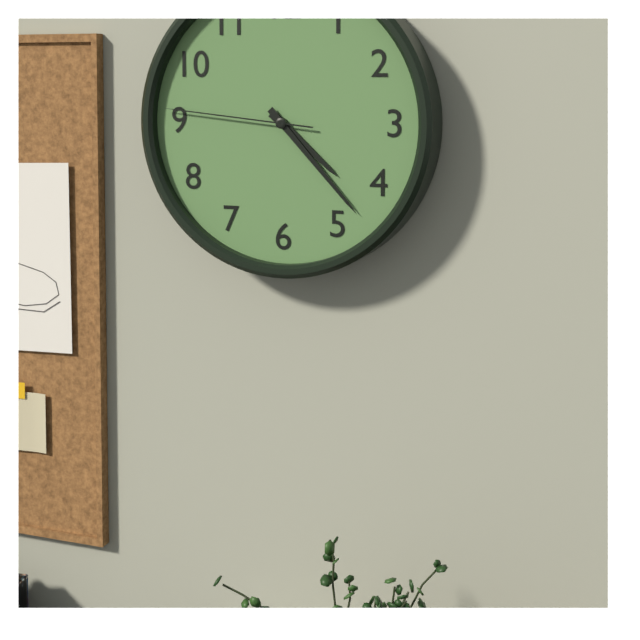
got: 4h23m46s
